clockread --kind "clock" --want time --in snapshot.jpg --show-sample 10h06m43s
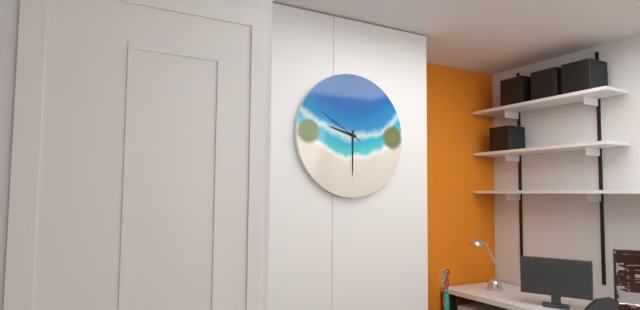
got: 9h30m50s
